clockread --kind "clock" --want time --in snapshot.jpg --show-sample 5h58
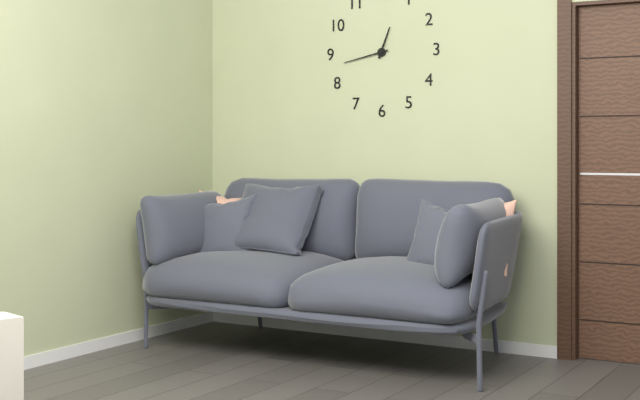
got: 12h43
